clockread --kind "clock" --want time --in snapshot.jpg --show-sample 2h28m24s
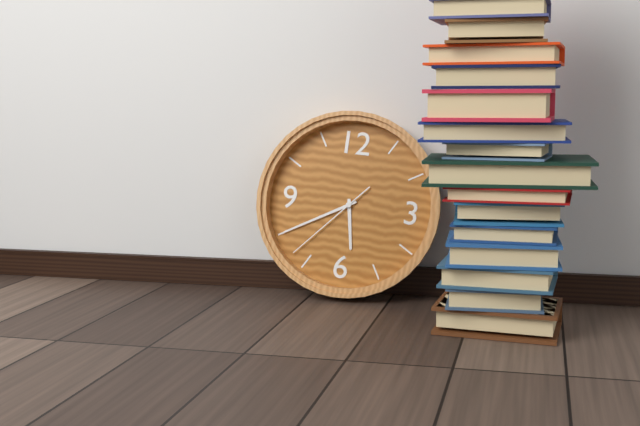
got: 5h40m37s
